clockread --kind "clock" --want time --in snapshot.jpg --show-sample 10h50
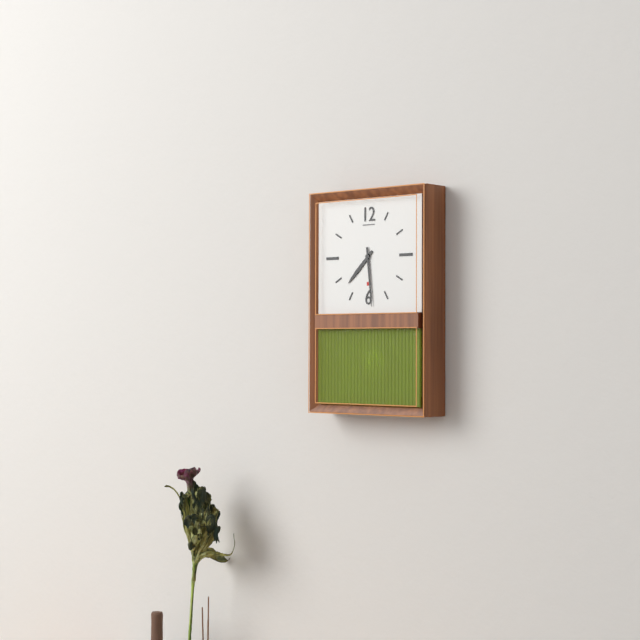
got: 7h29
